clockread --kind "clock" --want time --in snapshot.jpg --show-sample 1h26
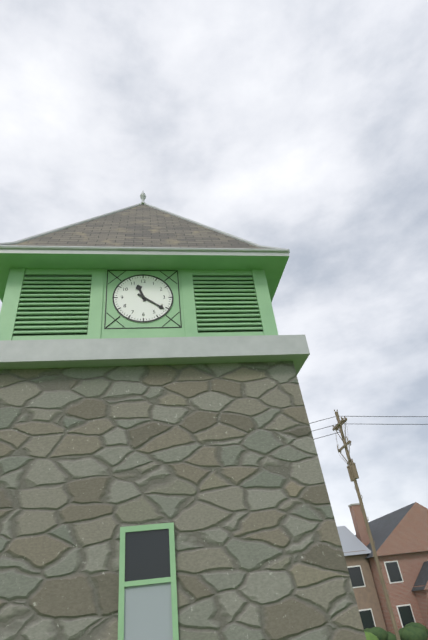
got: 11h21
